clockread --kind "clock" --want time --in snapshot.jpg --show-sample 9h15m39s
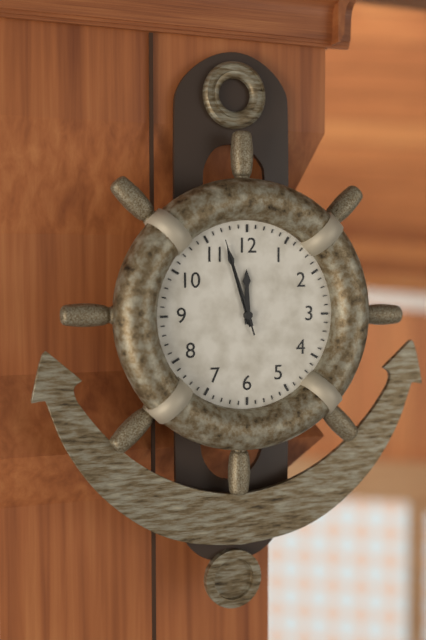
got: 11h57m57s
